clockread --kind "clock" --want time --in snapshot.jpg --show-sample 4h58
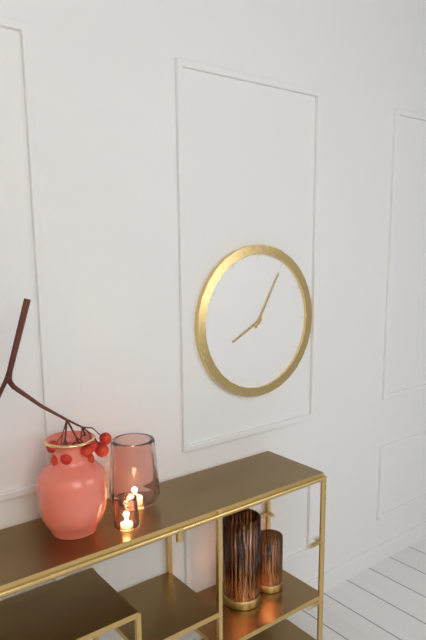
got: 8h05
